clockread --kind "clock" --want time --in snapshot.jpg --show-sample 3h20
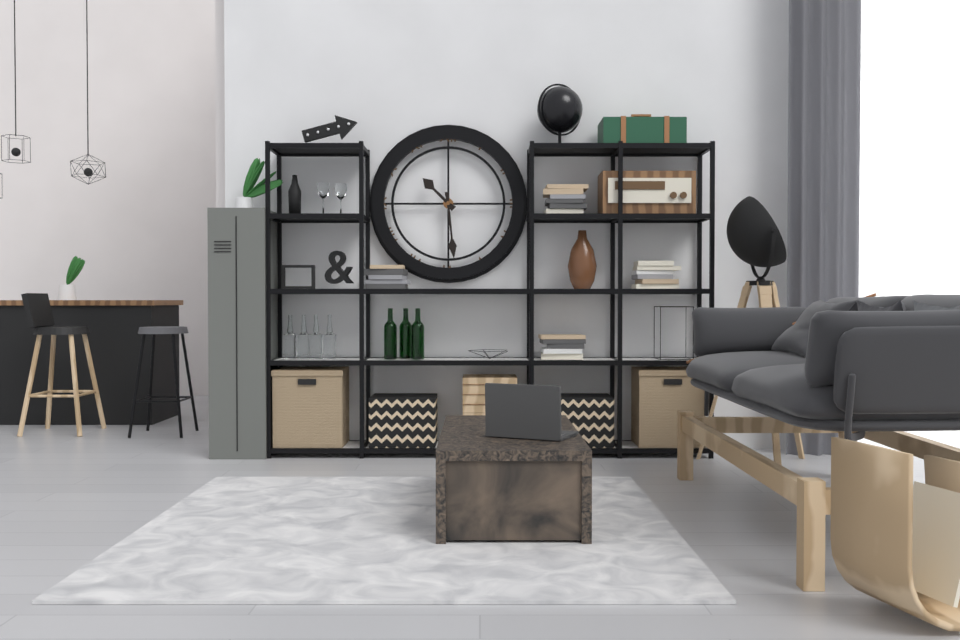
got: 10h29
